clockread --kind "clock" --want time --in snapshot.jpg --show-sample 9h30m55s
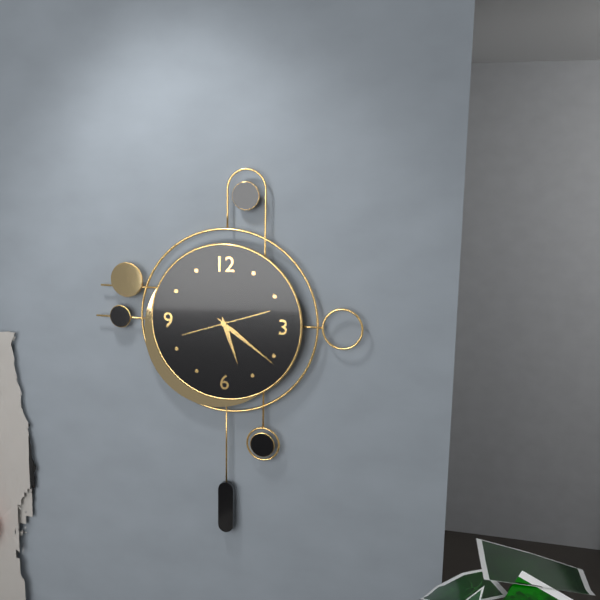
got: 5h21m12s
